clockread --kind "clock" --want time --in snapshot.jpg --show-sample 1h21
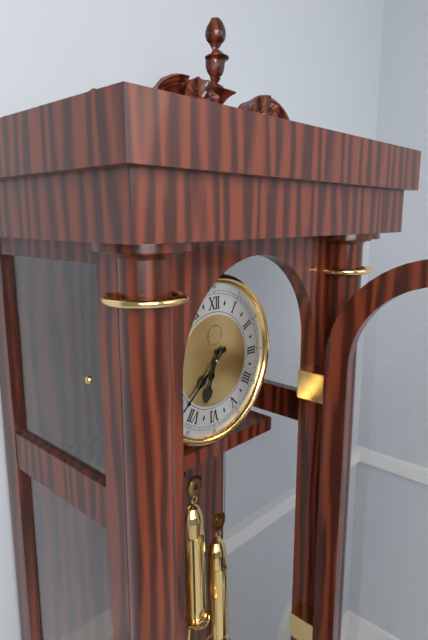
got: 6h38
